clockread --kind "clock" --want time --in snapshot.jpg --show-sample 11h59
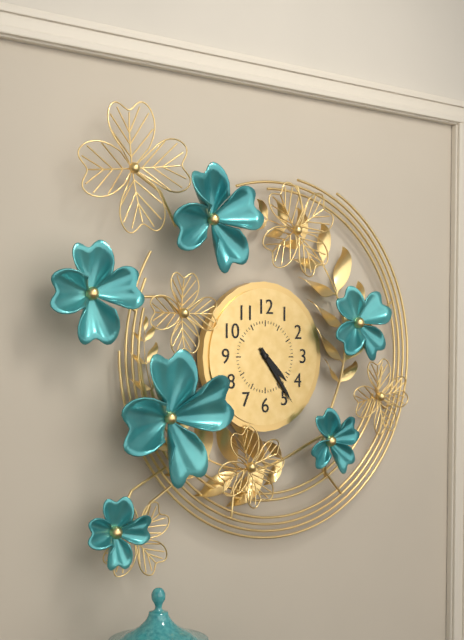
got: 4h24
